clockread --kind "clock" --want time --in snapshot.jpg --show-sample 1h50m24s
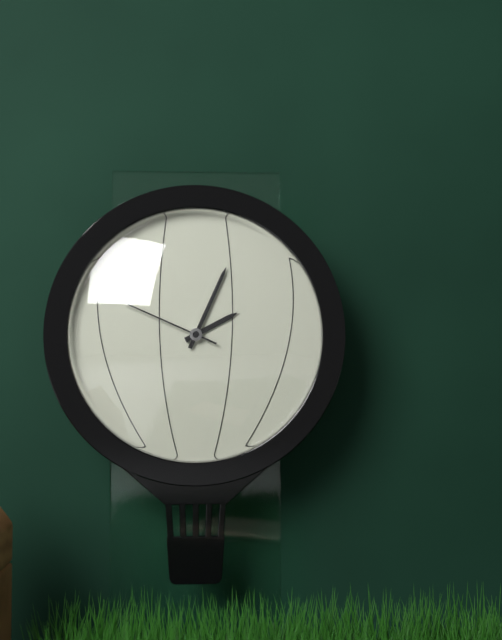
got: 2h04m49s
